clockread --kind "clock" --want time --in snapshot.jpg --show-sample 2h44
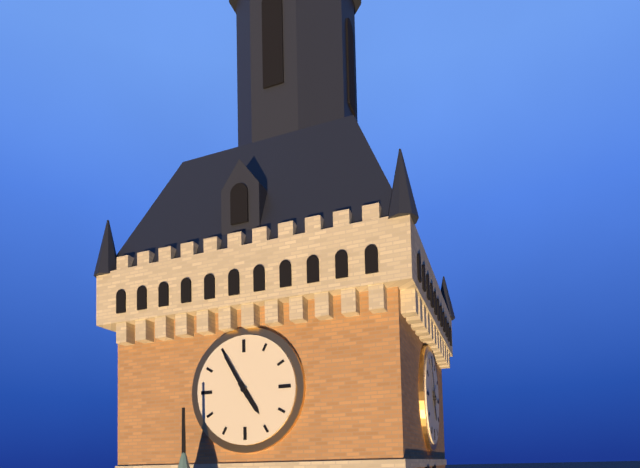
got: 4h55
